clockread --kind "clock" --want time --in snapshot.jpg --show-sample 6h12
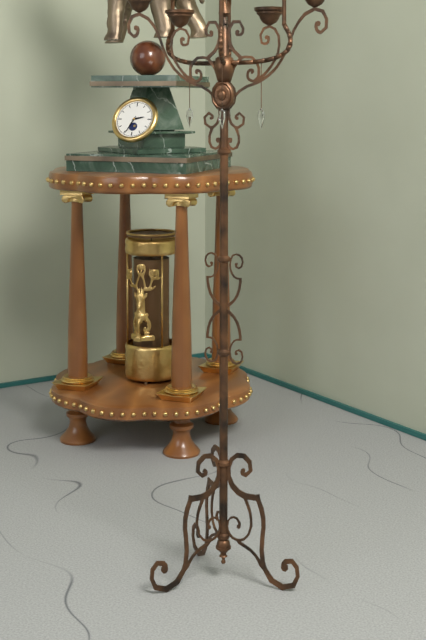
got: 2h34
